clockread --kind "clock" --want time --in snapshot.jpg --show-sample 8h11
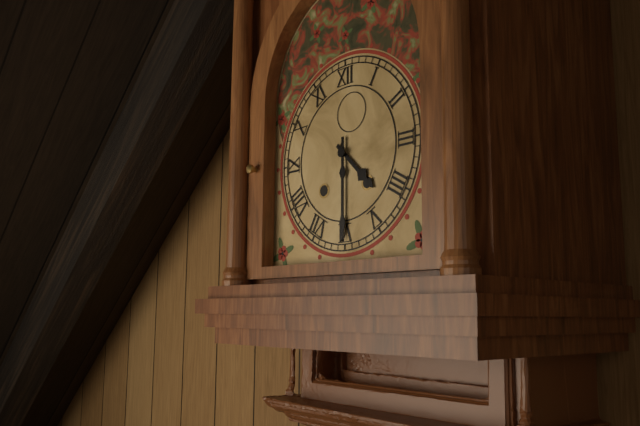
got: 4h30
